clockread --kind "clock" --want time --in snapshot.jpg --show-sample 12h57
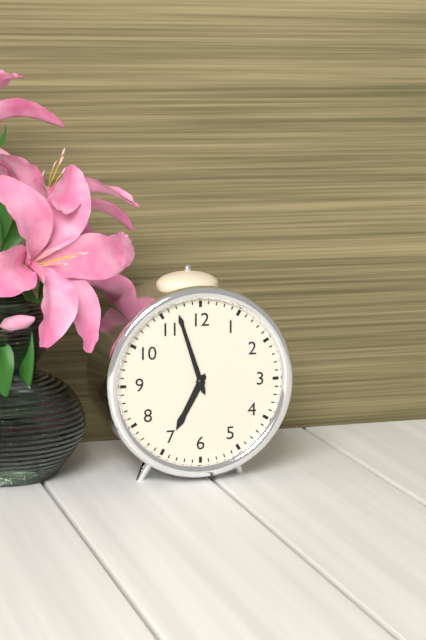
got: 6h57
